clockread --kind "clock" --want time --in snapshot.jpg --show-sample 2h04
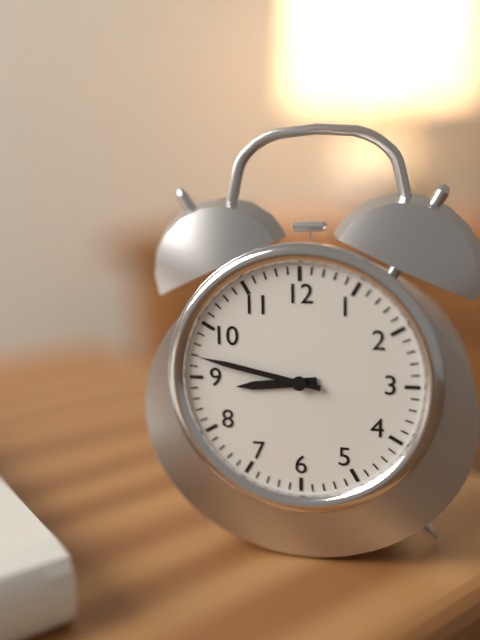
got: 8h47
